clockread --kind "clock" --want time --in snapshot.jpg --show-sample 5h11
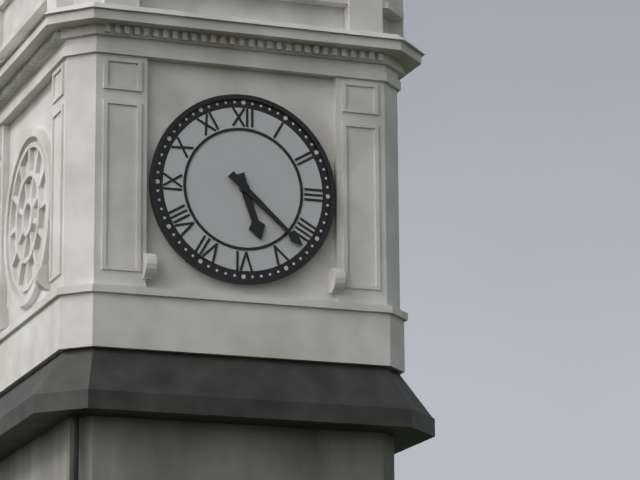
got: 5h22
